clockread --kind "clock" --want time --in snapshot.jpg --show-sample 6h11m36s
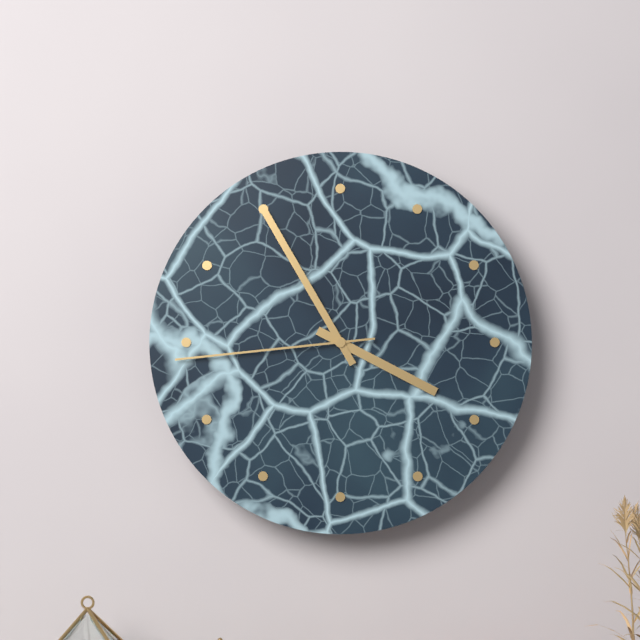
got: 3h55m44s
